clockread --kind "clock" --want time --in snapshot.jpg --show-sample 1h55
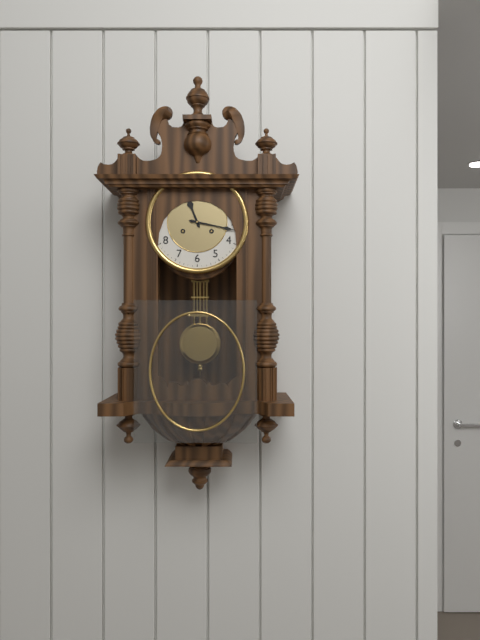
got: 11h17
